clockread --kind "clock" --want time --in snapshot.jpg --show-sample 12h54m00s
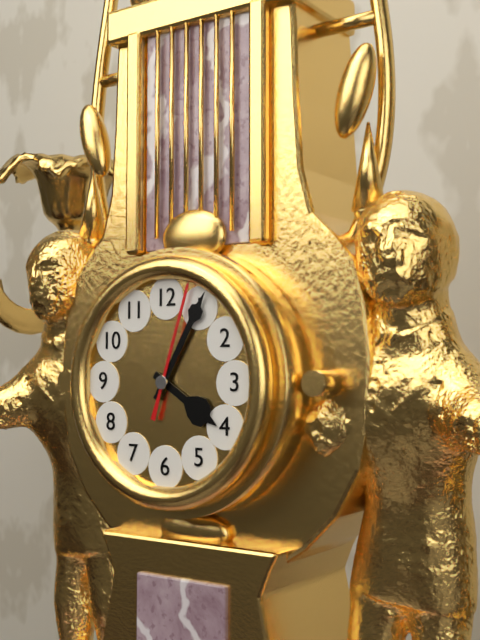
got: 4h05m03s
